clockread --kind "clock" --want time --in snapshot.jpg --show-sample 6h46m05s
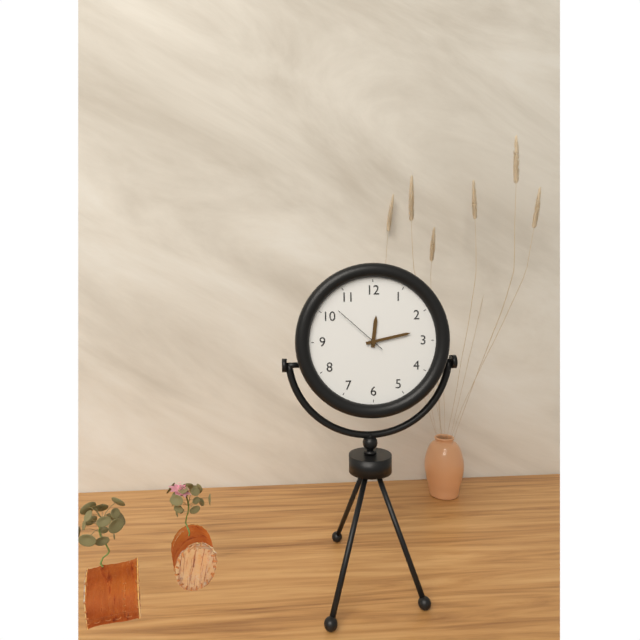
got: 12h13m52s
